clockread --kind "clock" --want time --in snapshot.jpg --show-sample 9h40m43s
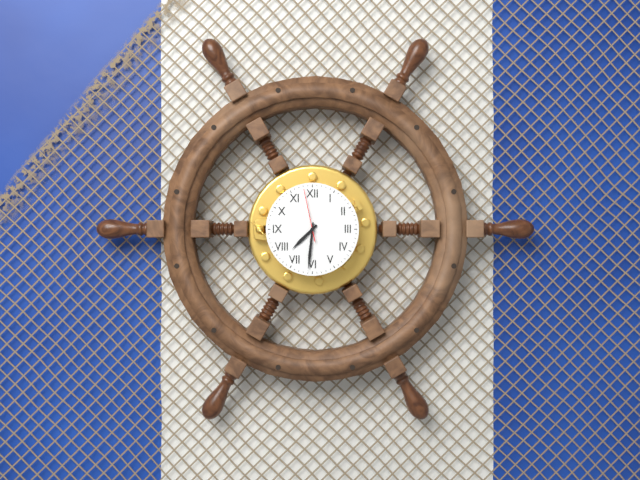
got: 7h31m58s
